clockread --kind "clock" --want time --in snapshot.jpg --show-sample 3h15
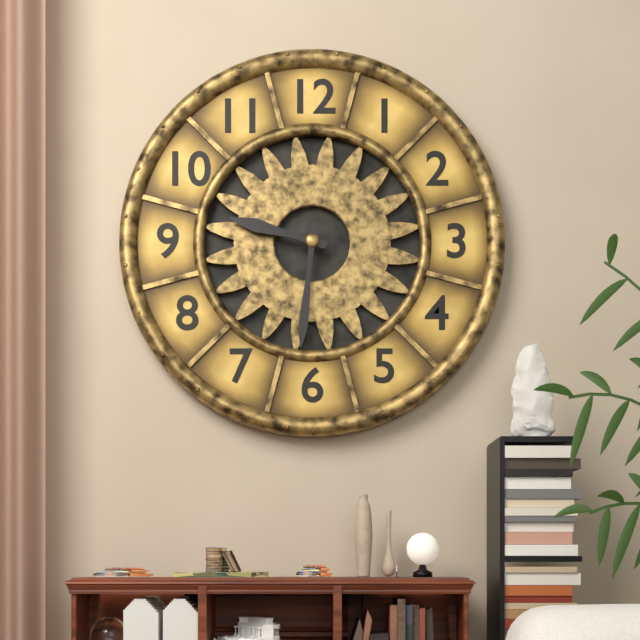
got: 9h31
